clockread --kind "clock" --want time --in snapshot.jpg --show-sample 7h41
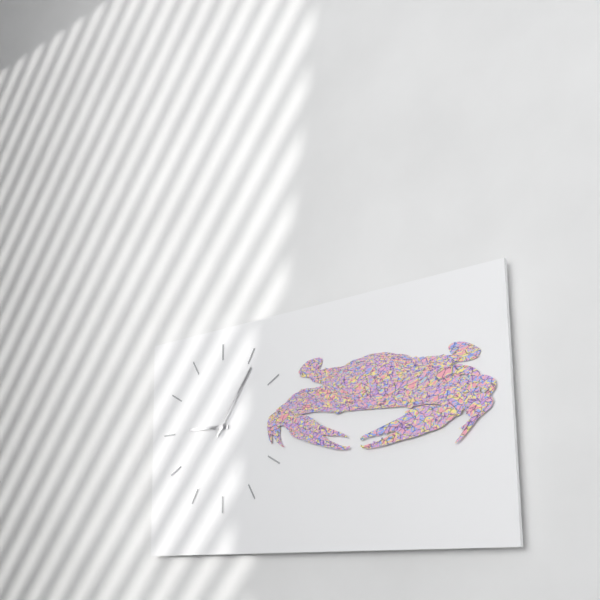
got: 9h06
